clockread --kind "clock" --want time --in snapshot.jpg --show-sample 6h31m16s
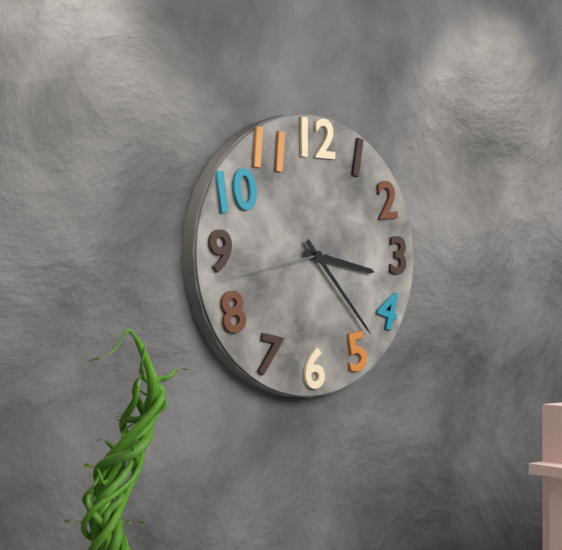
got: 3h23m43s
